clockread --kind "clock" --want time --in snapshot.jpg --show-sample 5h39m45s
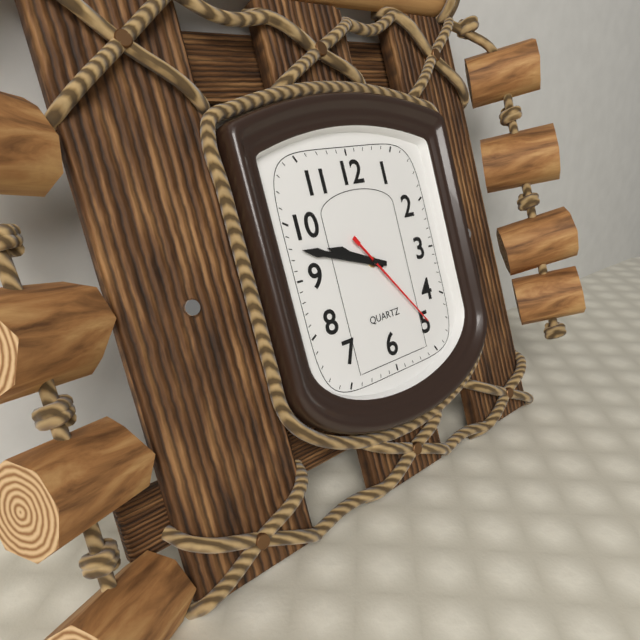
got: 9h48m24s
